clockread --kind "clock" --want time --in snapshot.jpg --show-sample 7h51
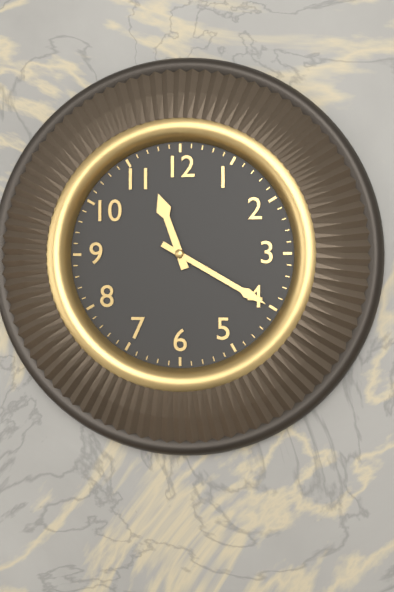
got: 11h20
